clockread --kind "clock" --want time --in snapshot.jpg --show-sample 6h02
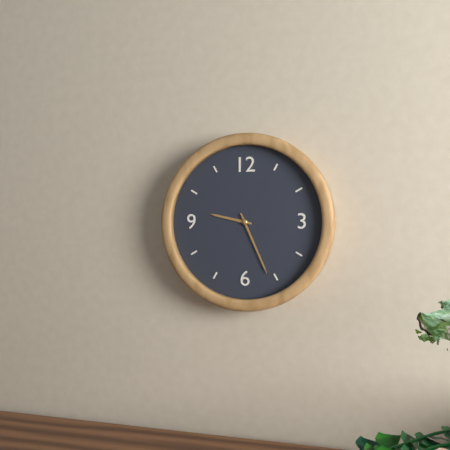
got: 9h26
